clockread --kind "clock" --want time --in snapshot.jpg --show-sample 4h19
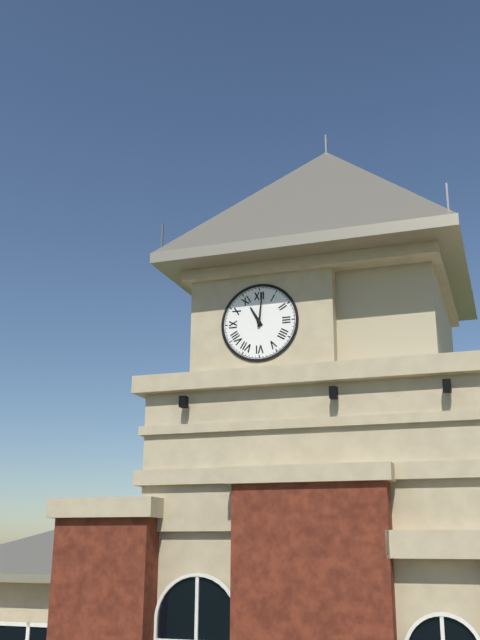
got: 11h01
